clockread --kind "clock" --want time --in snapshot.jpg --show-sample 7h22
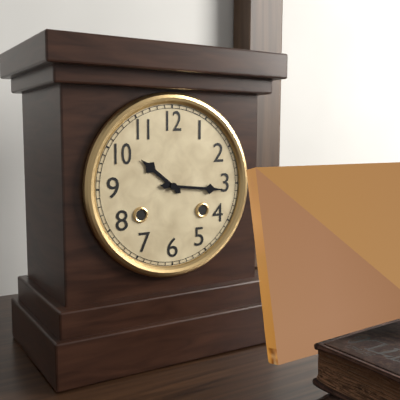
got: 10h16
